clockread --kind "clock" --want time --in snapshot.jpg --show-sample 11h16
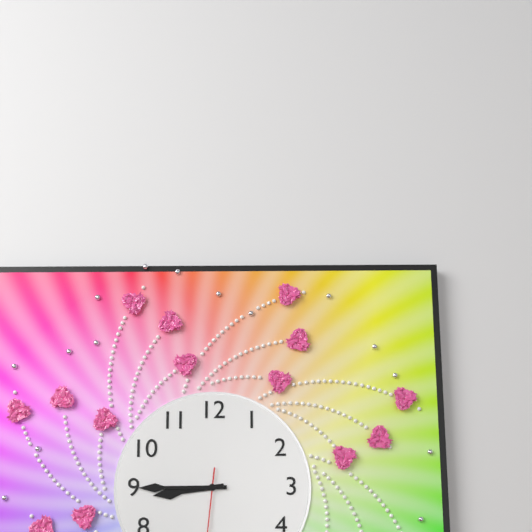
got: 8h45
